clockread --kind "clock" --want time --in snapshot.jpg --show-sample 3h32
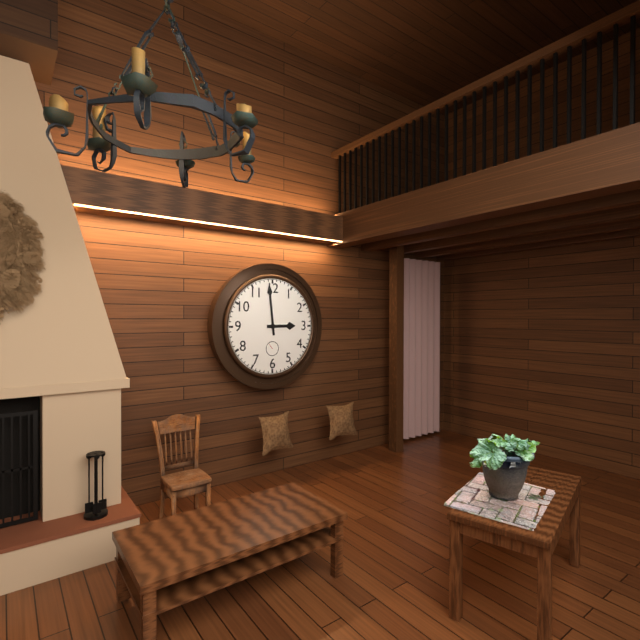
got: 2h59
